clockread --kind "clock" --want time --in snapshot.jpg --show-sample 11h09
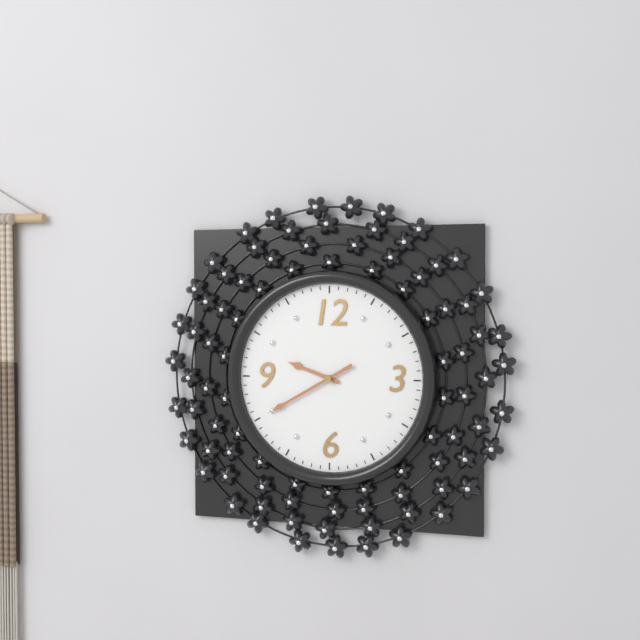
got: 9h40
